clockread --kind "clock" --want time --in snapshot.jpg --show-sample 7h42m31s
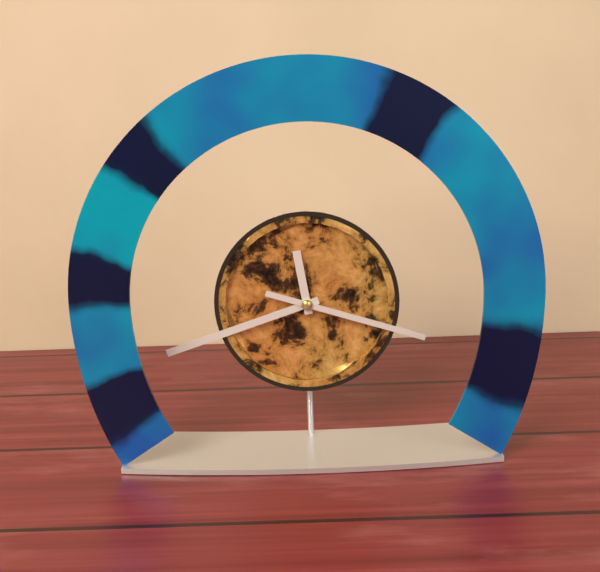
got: 11h42m18s
